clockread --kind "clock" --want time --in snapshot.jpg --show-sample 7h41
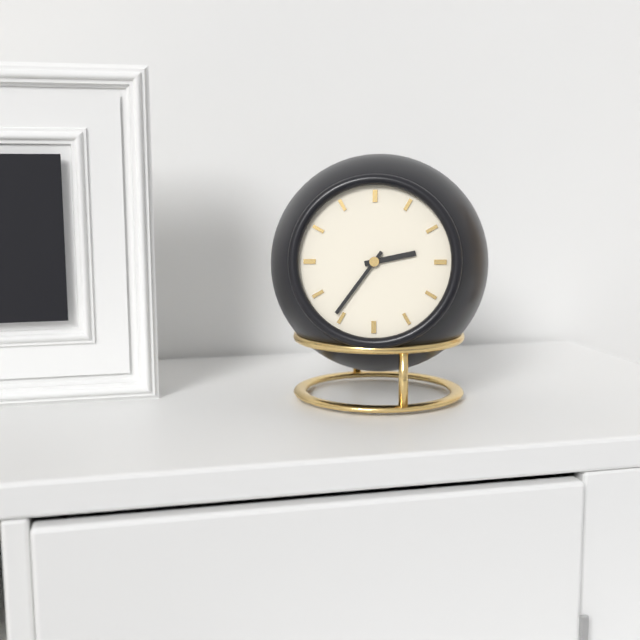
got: 2h36
